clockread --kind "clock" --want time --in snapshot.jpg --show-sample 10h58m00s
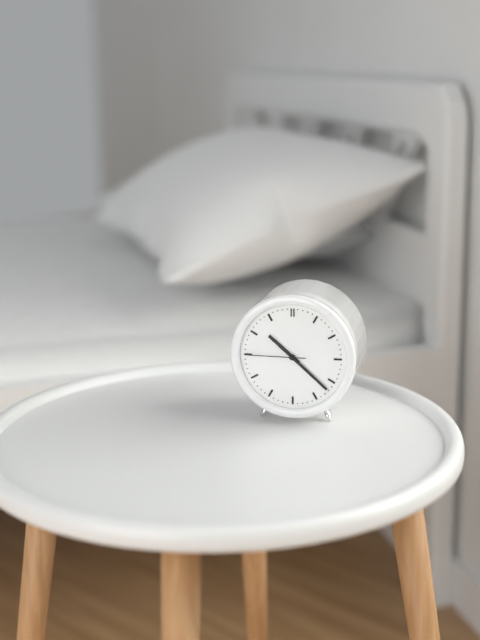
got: 10h22m45s
